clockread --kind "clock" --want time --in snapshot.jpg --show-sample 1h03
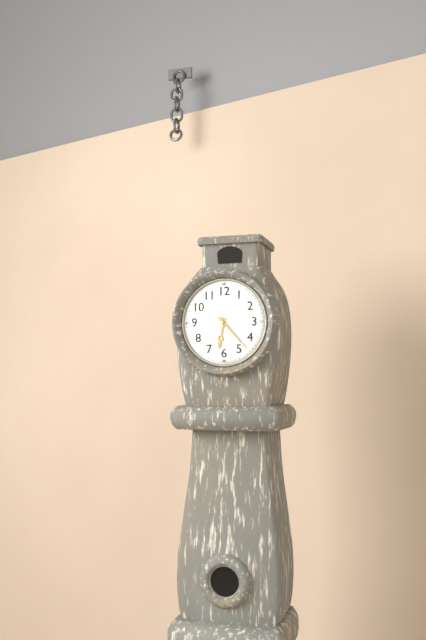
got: 6h23
